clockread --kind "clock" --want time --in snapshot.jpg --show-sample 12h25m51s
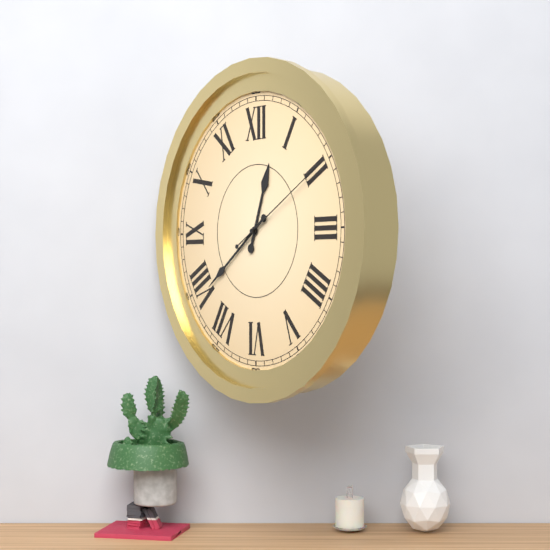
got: 12h39m10s
